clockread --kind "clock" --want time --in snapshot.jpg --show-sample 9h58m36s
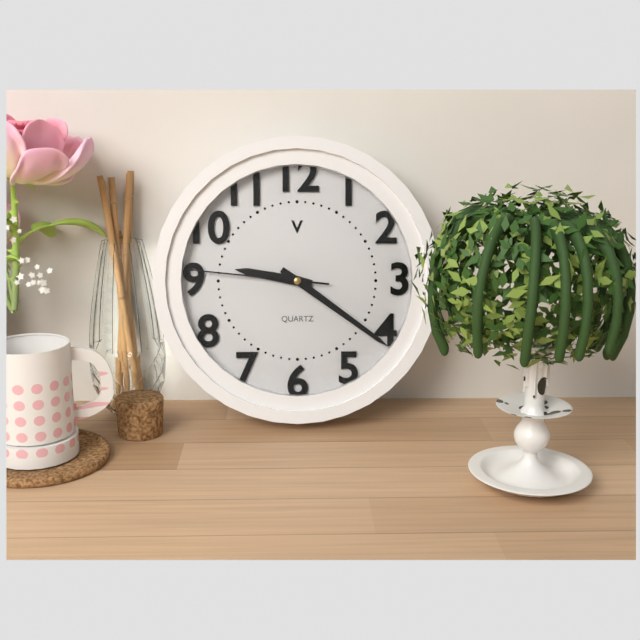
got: 9h21m46s
